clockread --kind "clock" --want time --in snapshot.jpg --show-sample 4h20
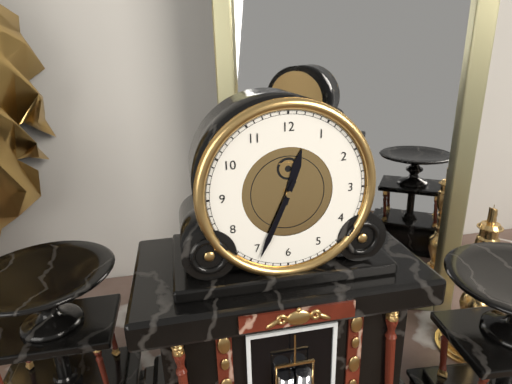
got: 12h34
